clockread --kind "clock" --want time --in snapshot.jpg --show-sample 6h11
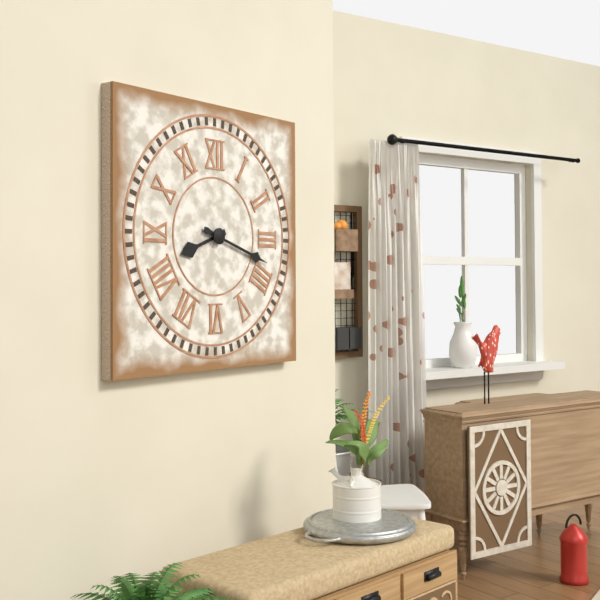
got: 8h18
